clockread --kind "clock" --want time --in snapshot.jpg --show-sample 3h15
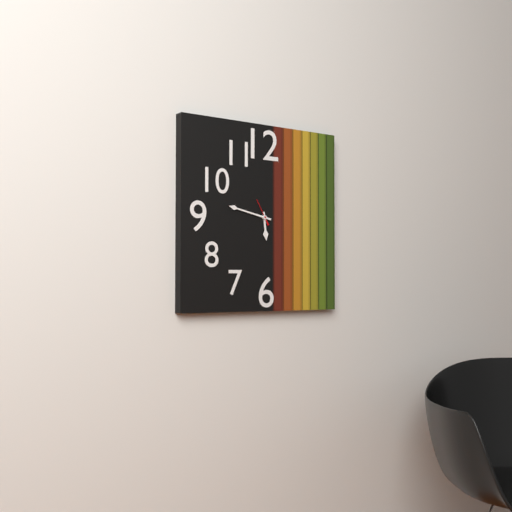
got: 5h47
